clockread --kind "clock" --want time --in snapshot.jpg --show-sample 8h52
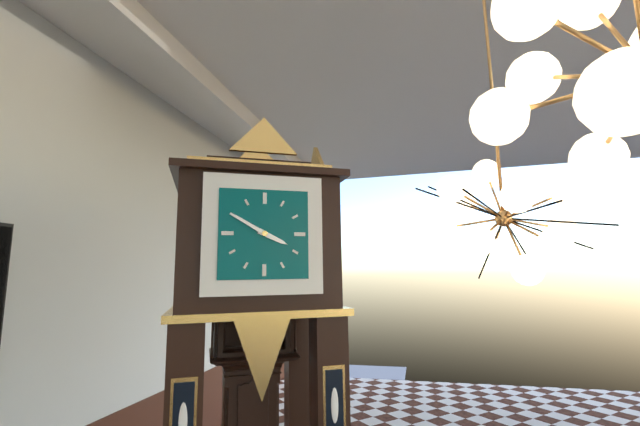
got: 3h50
